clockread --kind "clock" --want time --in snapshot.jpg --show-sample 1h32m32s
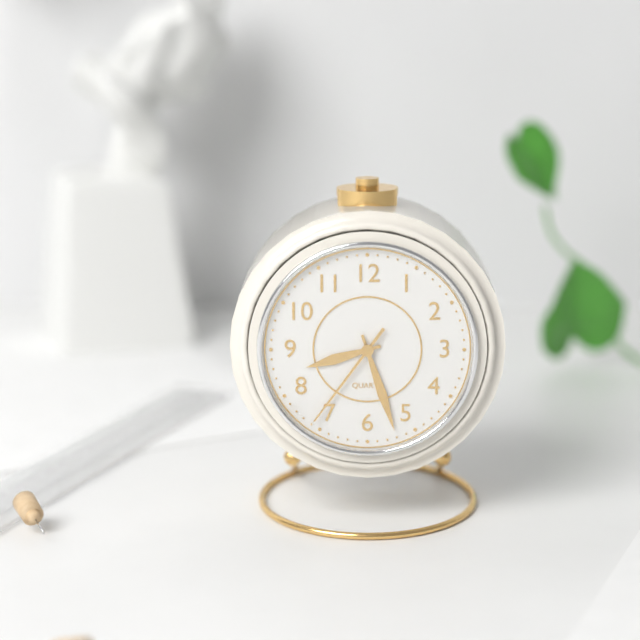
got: 8h27m36s
